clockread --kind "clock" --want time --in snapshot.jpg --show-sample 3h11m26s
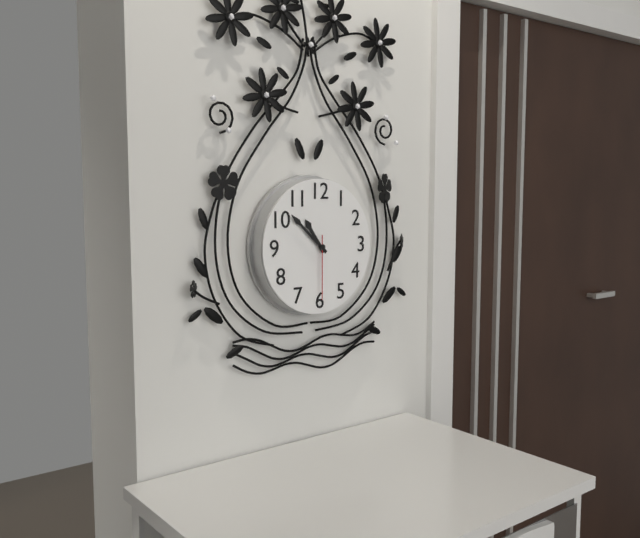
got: 10h52m30s
